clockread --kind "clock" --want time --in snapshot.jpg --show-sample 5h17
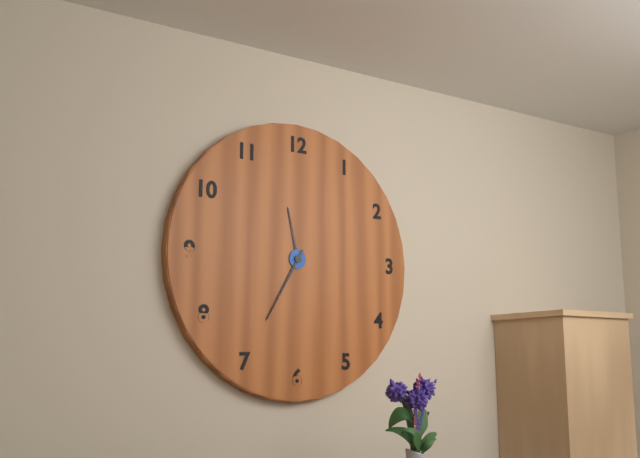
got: 11h35
